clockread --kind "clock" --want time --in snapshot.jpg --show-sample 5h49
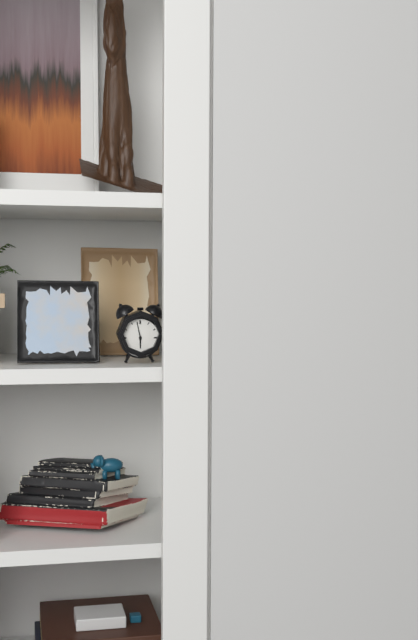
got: 5h58
